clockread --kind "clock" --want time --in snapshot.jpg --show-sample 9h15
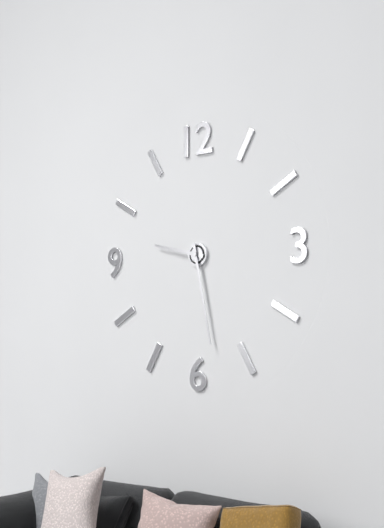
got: 9h28
